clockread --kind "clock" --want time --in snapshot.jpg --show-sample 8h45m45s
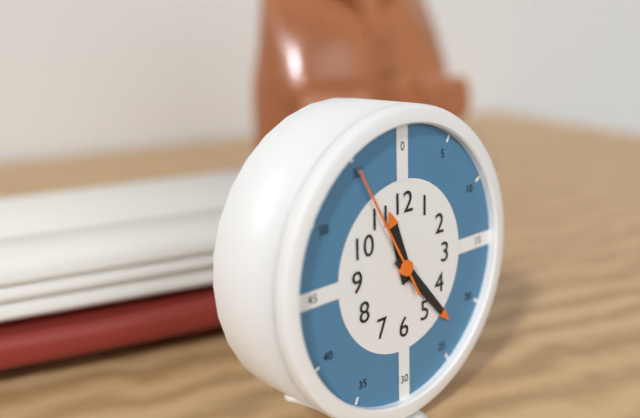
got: 11h23m55s
